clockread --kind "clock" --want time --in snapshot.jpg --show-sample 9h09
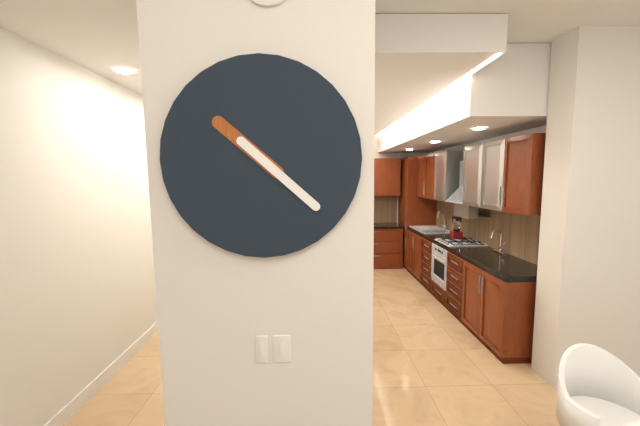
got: 10h22
